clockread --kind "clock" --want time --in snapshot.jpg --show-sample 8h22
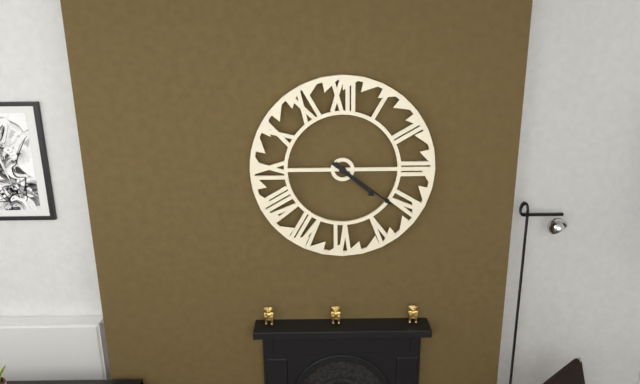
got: 4h21
